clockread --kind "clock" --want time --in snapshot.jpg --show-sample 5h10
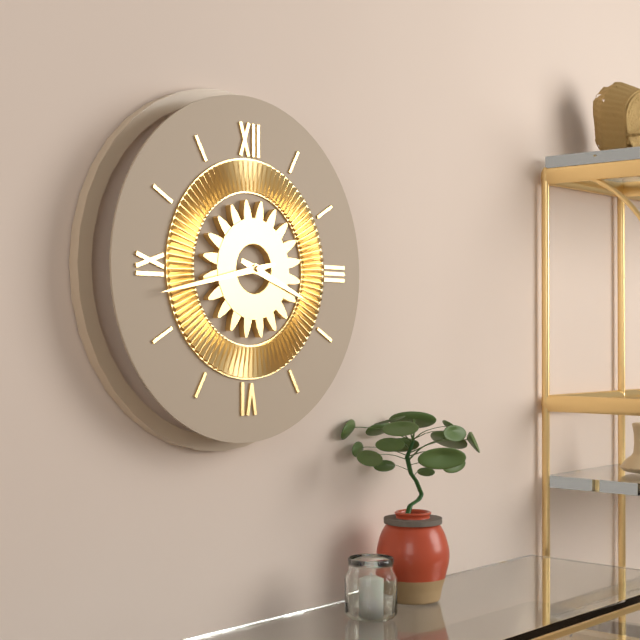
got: 3h43
